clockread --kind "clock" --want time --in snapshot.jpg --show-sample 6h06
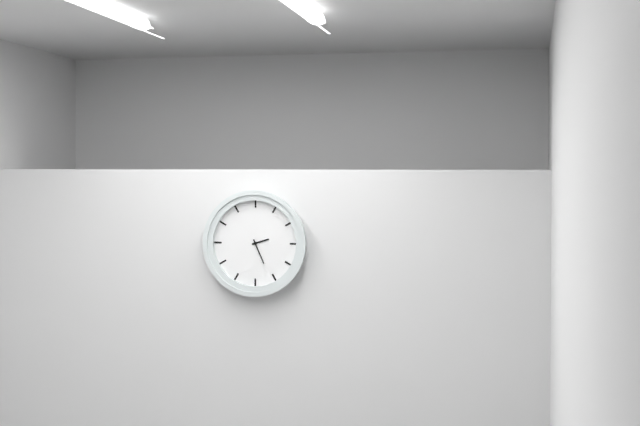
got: 2h26
